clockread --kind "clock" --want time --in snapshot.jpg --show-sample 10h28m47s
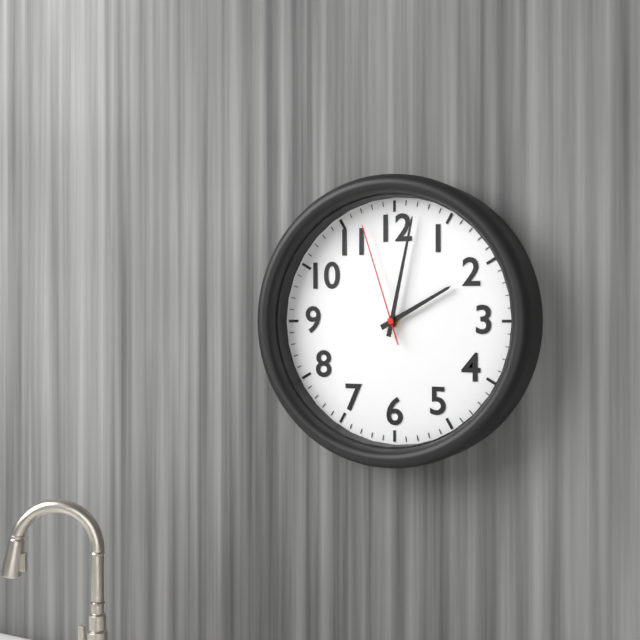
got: 2h02m57s
